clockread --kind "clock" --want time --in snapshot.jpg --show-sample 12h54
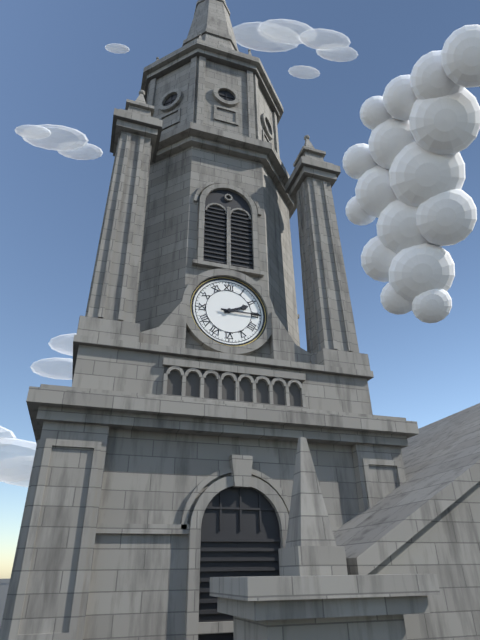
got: 2h15
